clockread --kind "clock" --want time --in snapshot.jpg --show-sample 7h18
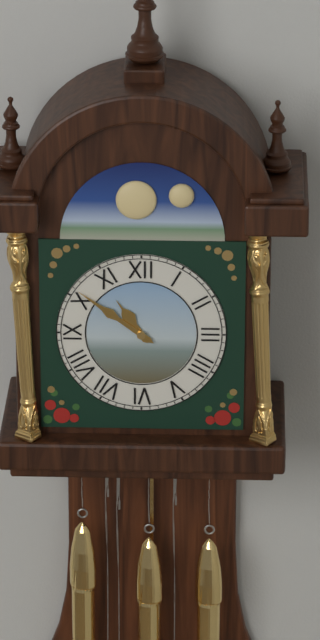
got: 10h51
